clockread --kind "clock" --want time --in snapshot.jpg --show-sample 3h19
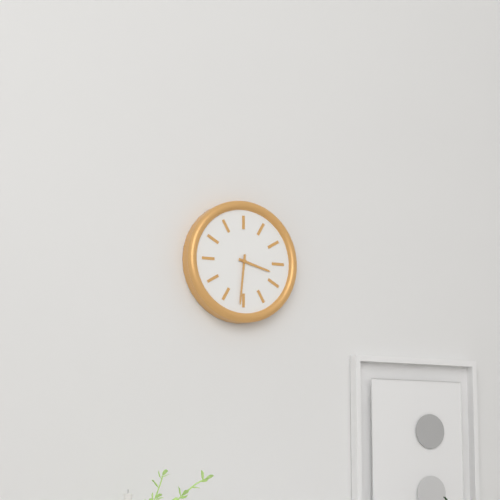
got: 3h31
